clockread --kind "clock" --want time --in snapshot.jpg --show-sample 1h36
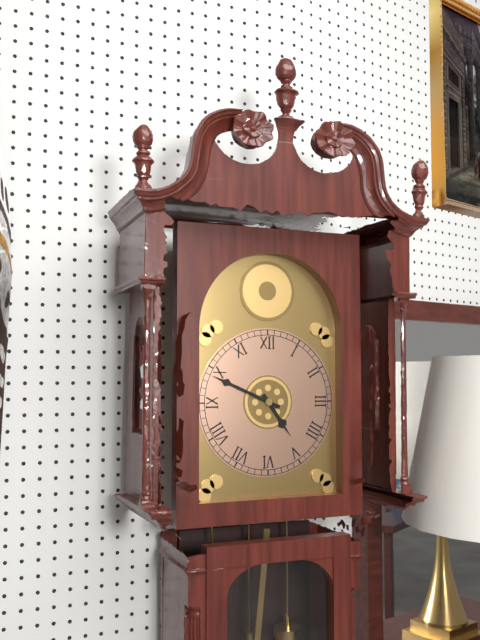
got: 4h49
